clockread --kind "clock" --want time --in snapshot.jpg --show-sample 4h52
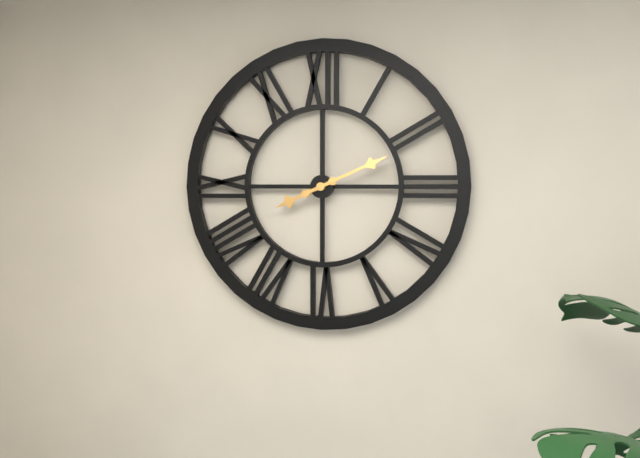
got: 8h11
